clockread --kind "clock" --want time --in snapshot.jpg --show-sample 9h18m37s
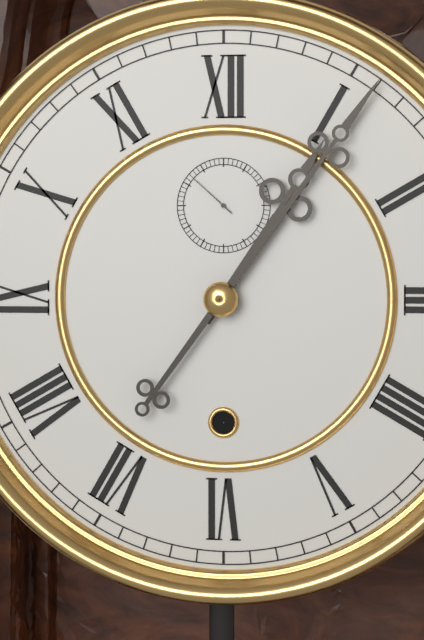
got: 1h06m52s
